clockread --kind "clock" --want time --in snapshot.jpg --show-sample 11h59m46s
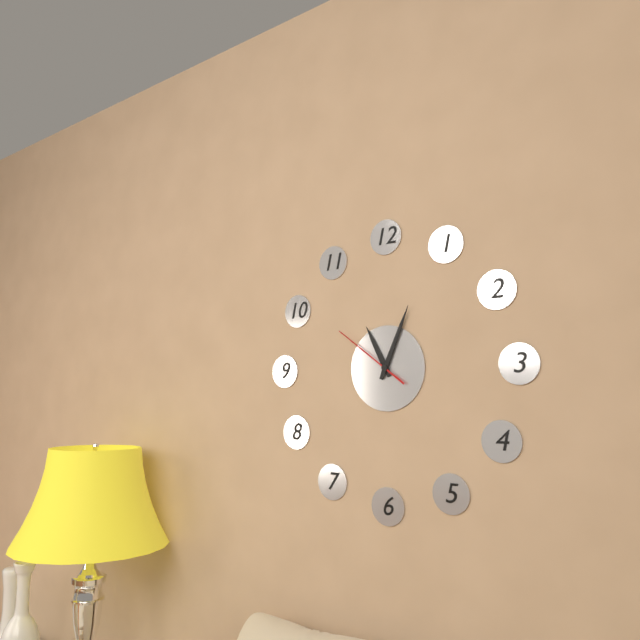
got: 11h04m51s
